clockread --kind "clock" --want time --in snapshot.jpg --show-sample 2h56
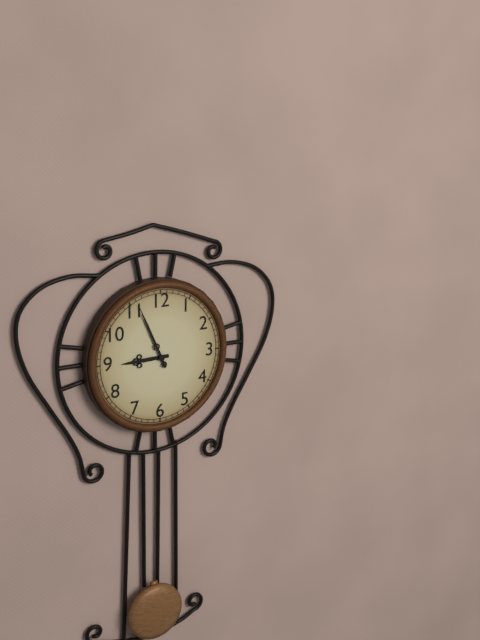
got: 8h56
